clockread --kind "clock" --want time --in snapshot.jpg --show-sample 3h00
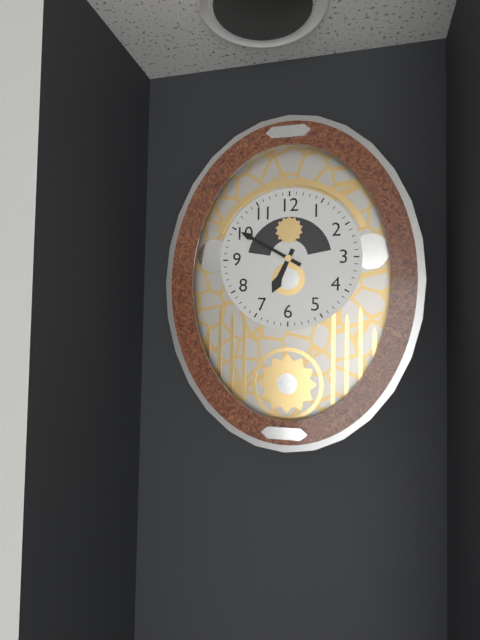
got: 6h50
